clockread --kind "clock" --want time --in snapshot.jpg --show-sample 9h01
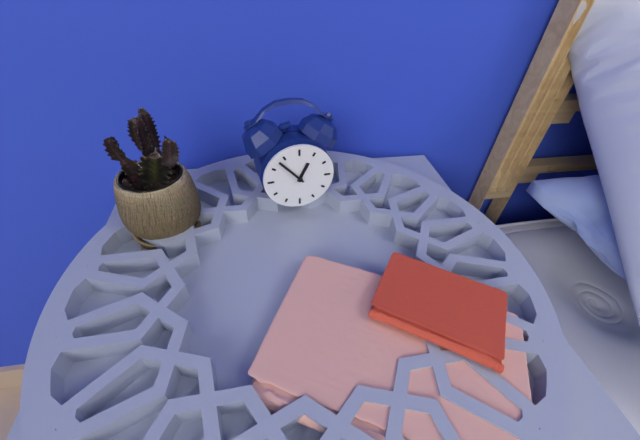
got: 12h53
